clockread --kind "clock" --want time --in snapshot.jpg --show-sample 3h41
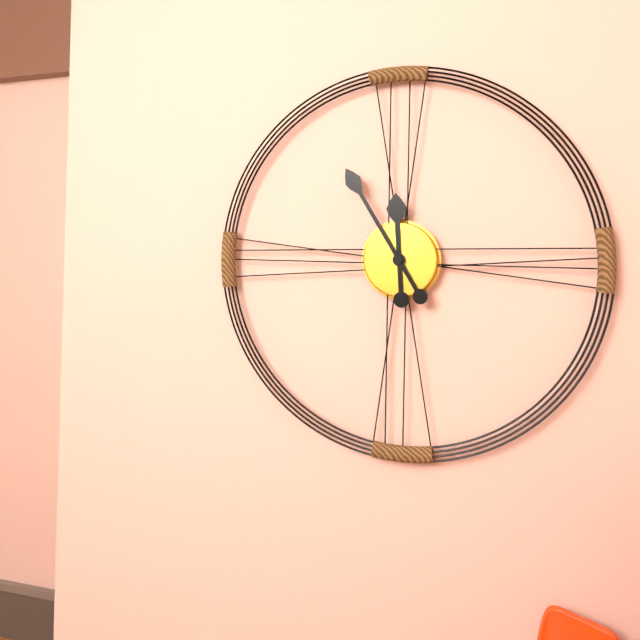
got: 11h55
